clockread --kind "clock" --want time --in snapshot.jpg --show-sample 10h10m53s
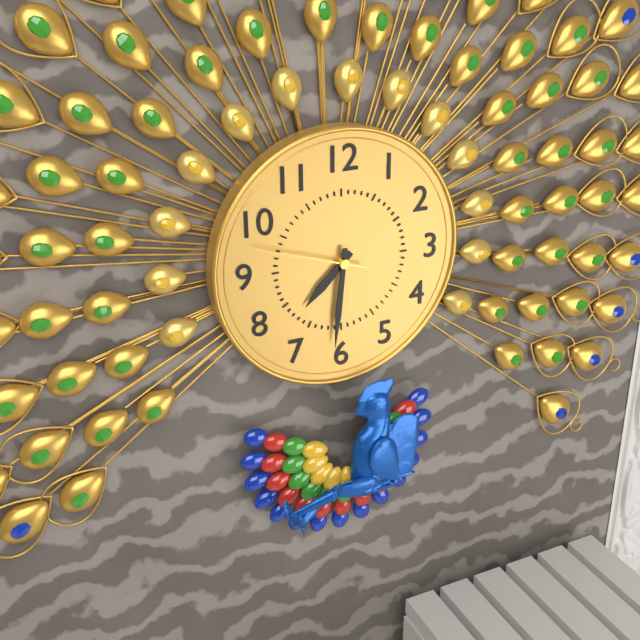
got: 7h31m48s
